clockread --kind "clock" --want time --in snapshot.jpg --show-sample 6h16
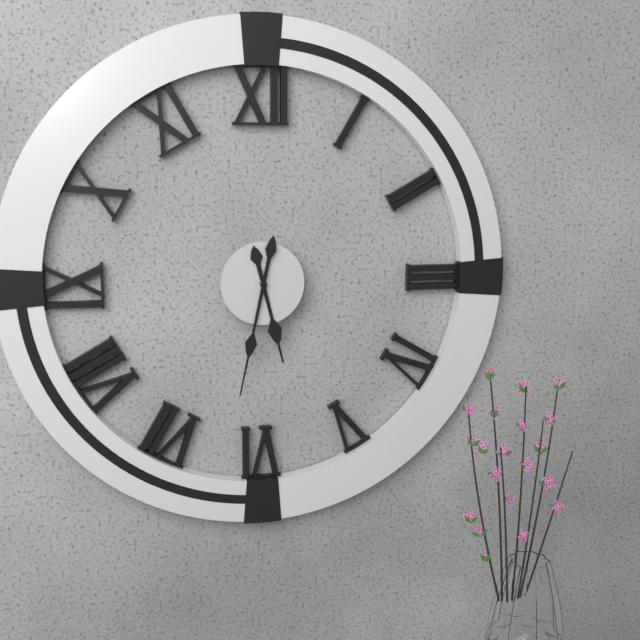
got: 5h32
